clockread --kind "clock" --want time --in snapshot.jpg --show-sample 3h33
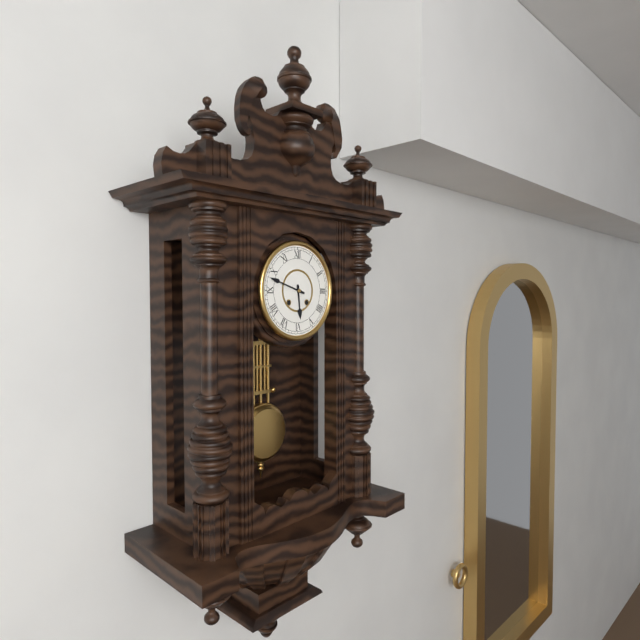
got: 5h48
